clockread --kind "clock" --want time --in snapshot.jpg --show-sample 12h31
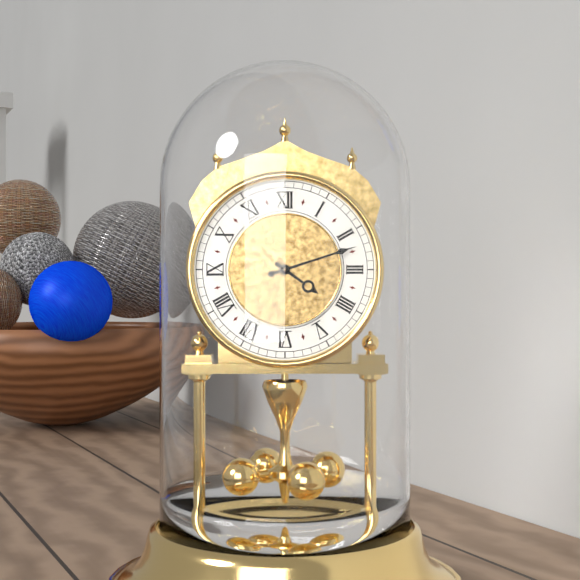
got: 4h12
